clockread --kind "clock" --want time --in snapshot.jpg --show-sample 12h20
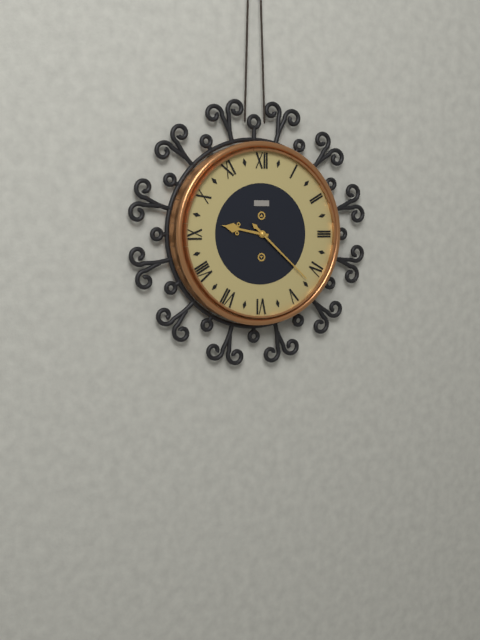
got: 9h22
